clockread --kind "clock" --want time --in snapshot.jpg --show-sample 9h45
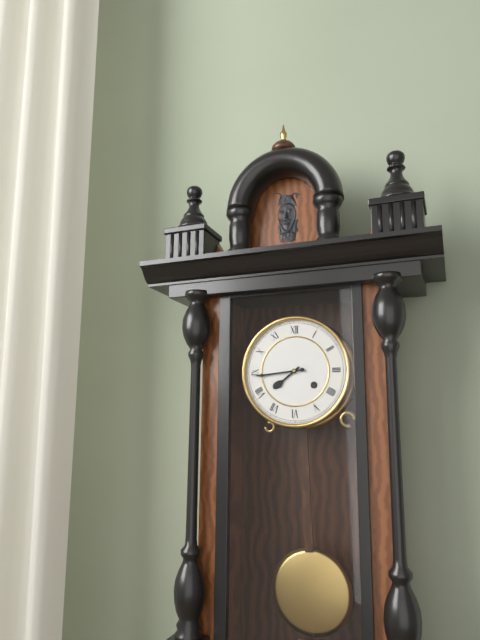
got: 7h44
